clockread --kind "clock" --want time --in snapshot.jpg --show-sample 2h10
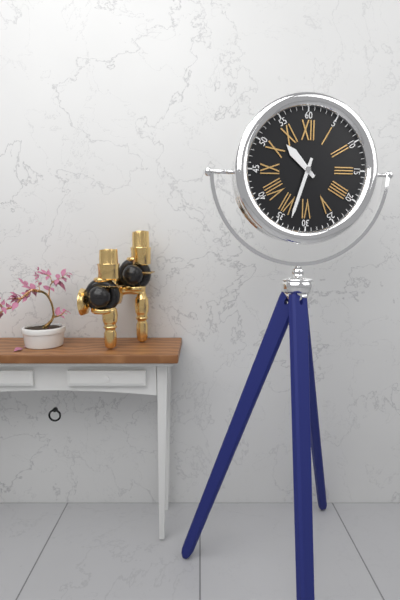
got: 10h33
